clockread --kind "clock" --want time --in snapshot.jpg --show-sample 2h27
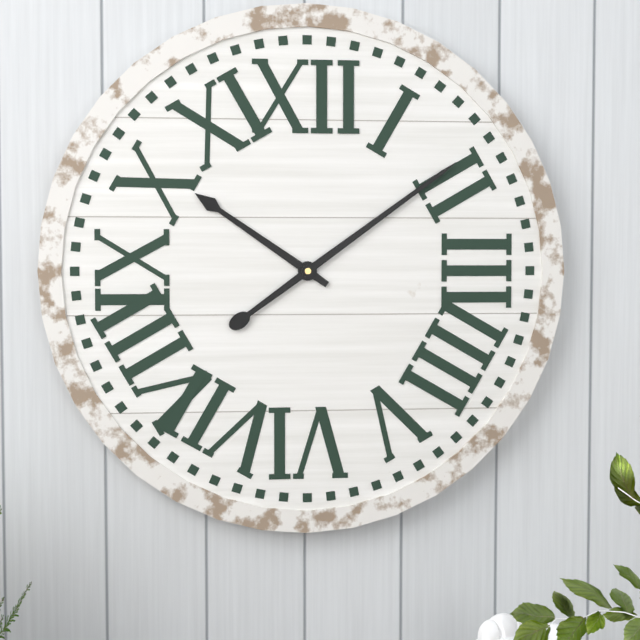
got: 10h09
